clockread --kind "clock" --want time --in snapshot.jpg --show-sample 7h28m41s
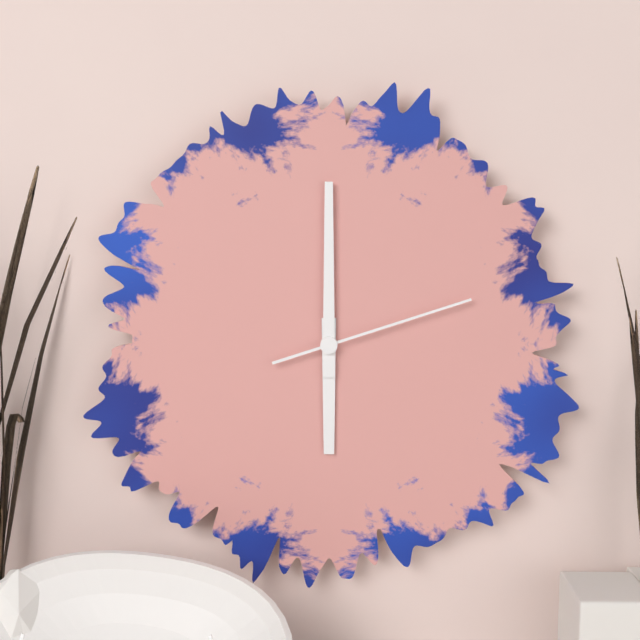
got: 6h00m12s
